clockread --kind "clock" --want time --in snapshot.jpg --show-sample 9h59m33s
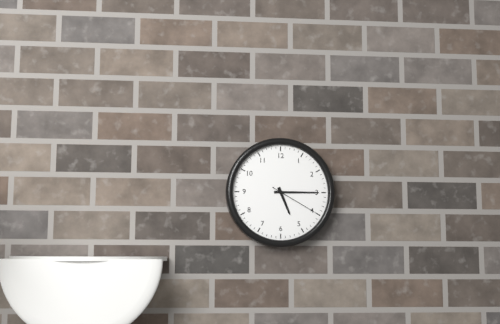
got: 5h15m20s
